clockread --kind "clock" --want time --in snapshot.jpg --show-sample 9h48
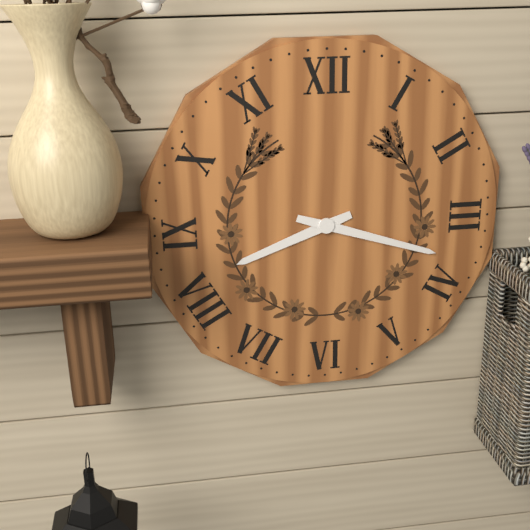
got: 8h18
